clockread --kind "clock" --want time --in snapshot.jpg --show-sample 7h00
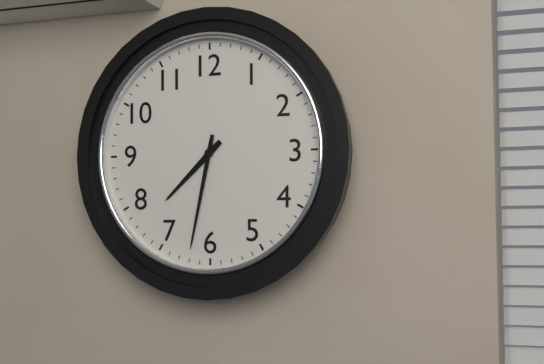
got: 7h32
